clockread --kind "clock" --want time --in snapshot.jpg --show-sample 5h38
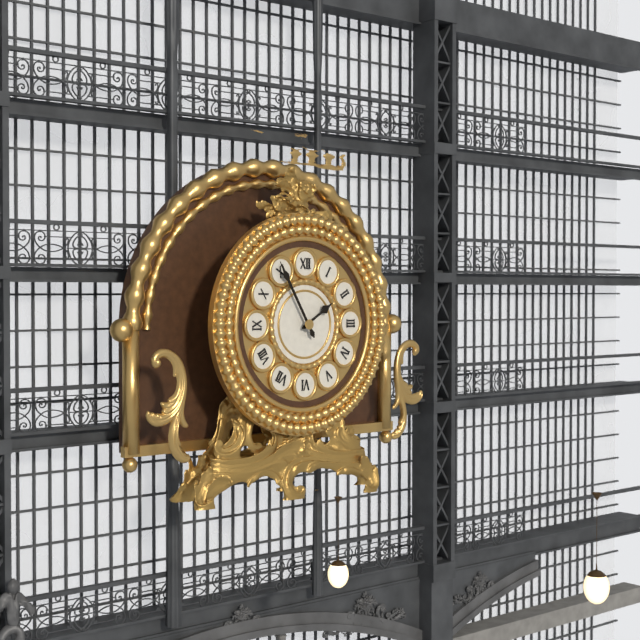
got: 1h55
